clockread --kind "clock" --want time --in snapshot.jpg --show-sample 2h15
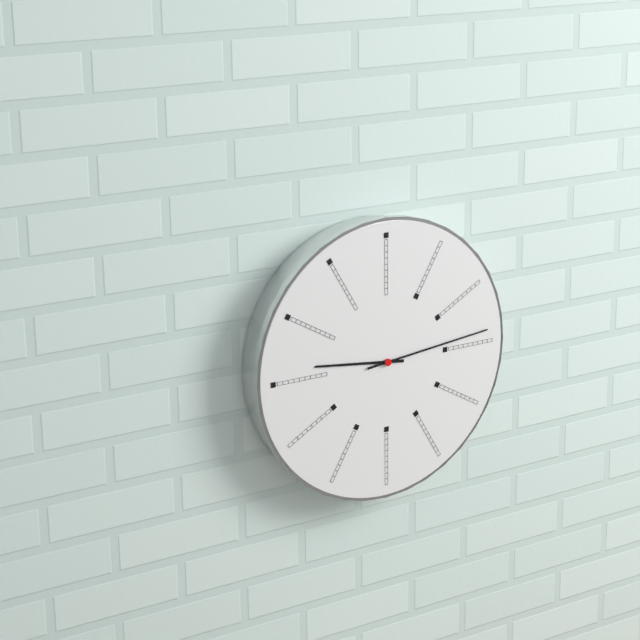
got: 9h14
